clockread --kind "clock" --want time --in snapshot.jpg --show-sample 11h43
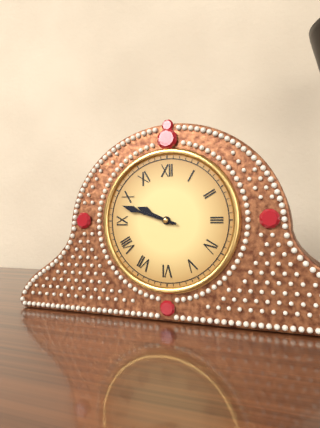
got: 9h48
